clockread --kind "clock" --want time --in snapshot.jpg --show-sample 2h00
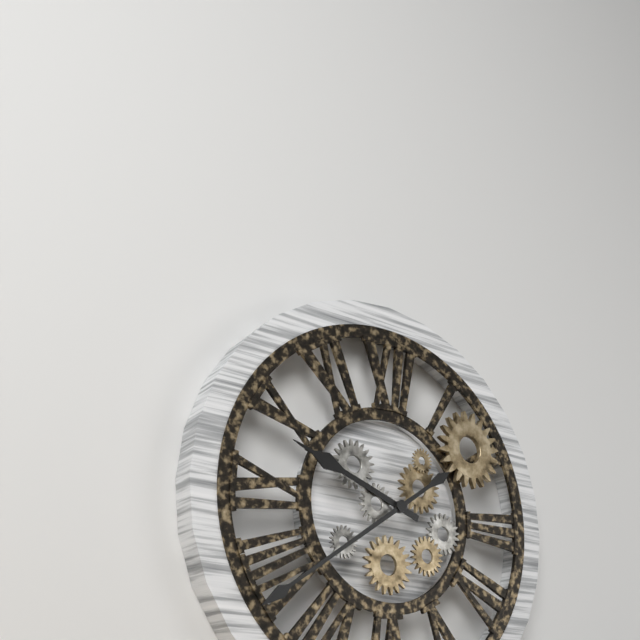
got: 9h39
